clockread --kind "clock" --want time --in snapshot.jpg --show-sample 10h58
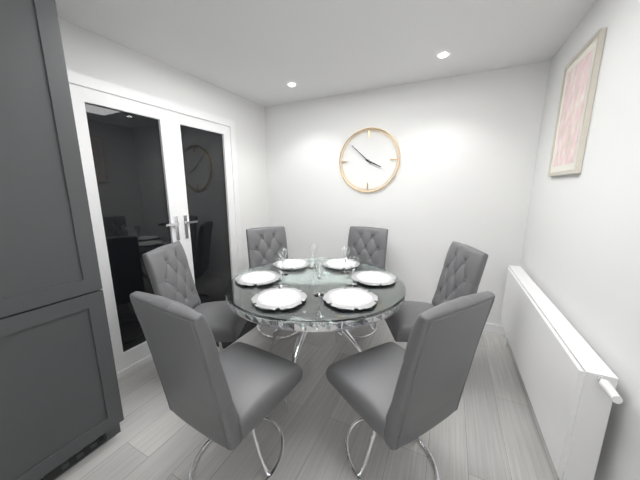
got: 3h52
